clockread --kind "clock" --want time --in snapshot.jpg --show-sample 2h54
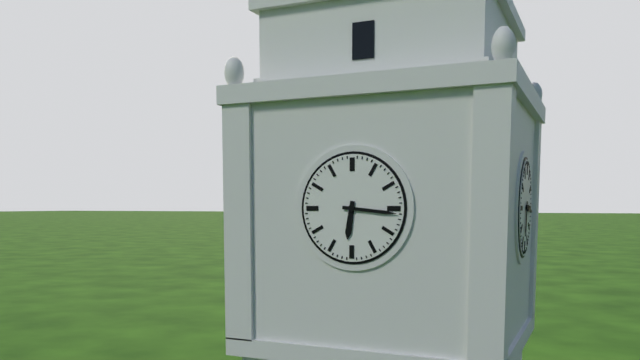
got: 6h16
